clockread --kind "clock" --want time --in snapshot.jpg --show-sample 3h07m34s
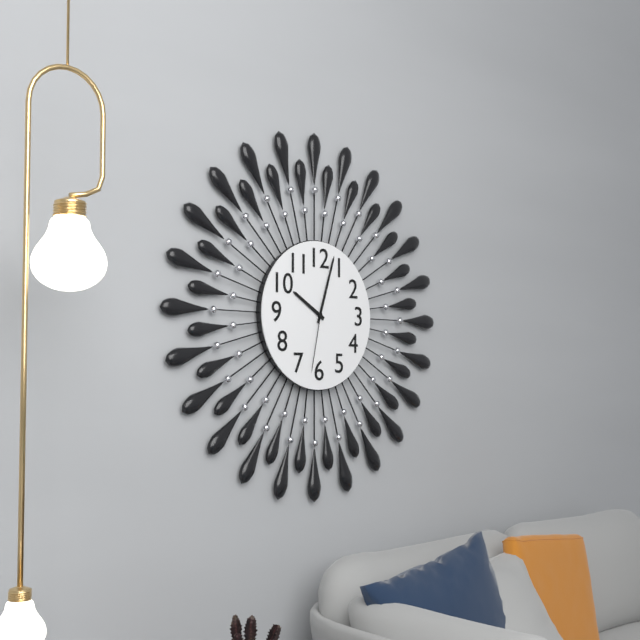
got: 10h03m32s
